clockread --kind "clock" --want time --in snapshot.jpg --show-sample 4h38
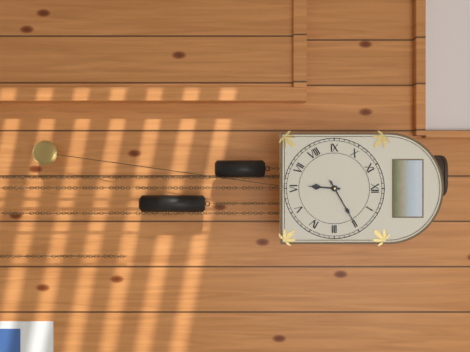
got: 6h10
